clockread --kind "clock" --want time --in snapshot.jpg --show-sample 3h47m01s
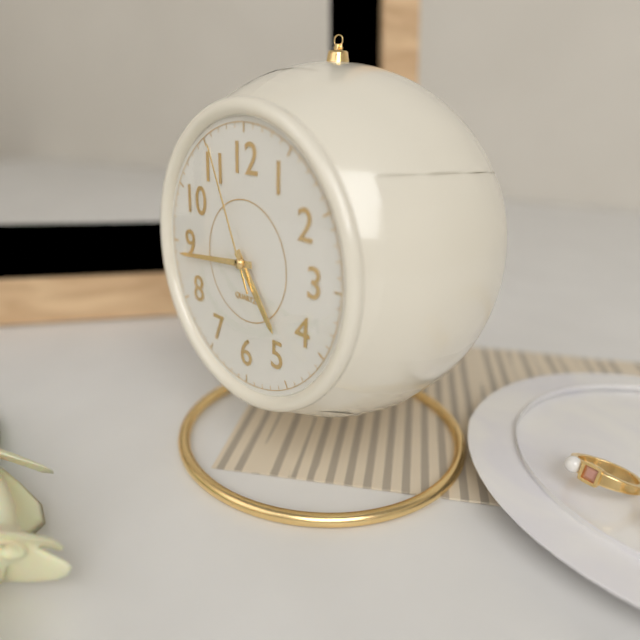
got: 4h44m56s
